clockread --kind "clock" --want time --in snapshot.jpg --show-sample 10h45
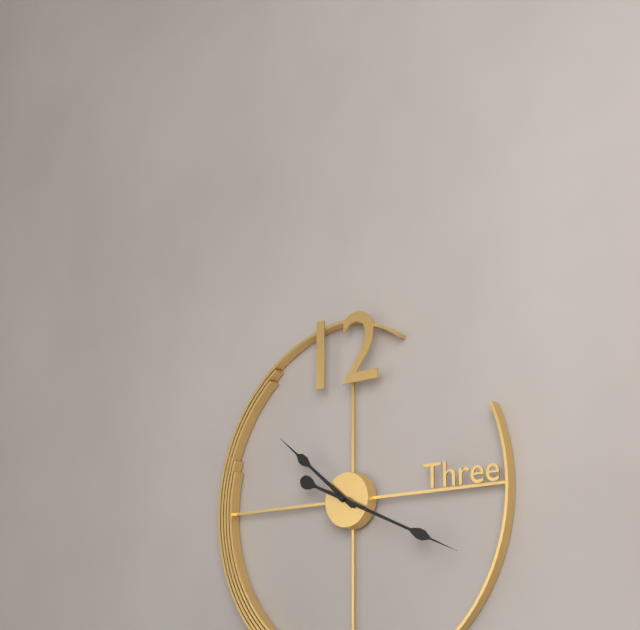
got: 10h19
